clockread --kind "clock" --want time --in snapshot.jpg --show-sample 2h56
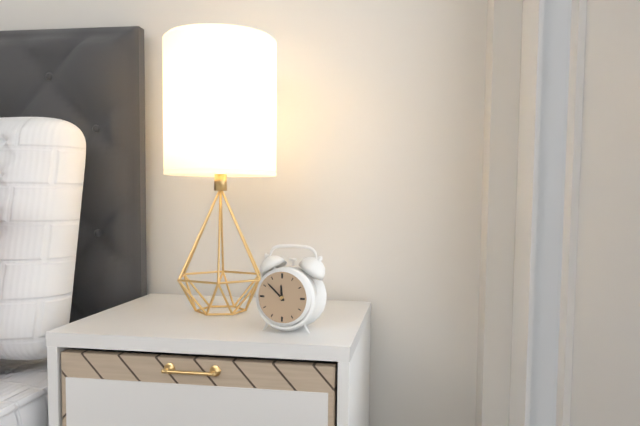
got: 11h52
